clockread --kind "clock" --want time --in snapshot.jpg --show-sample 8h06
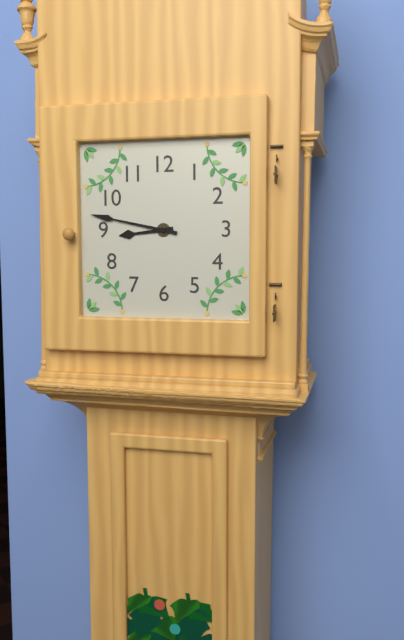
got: 8h47
